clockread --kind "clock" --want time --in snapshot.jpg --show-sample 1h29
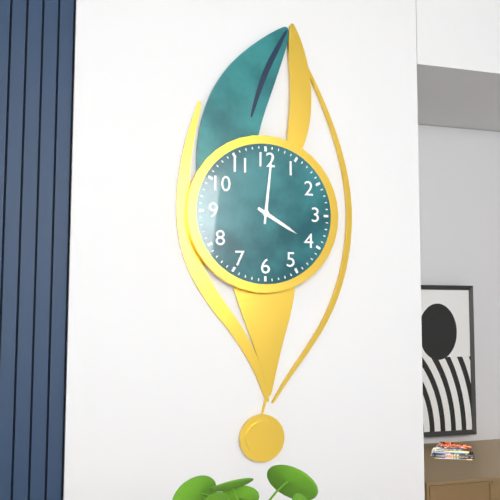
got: 4h01
